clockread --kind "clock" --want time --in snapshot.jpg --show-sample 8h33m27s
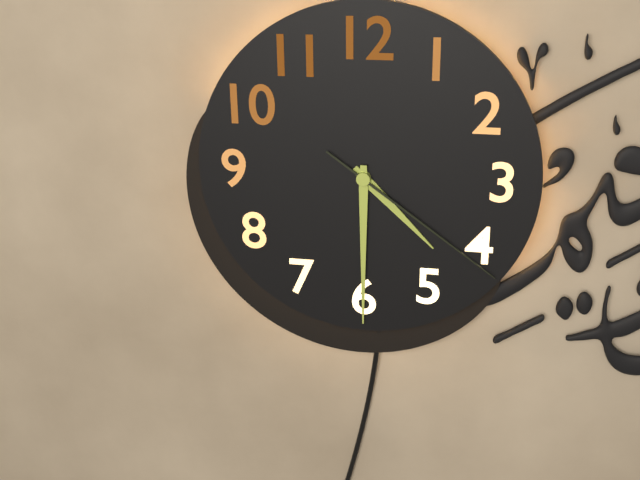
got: 4h30m21s
